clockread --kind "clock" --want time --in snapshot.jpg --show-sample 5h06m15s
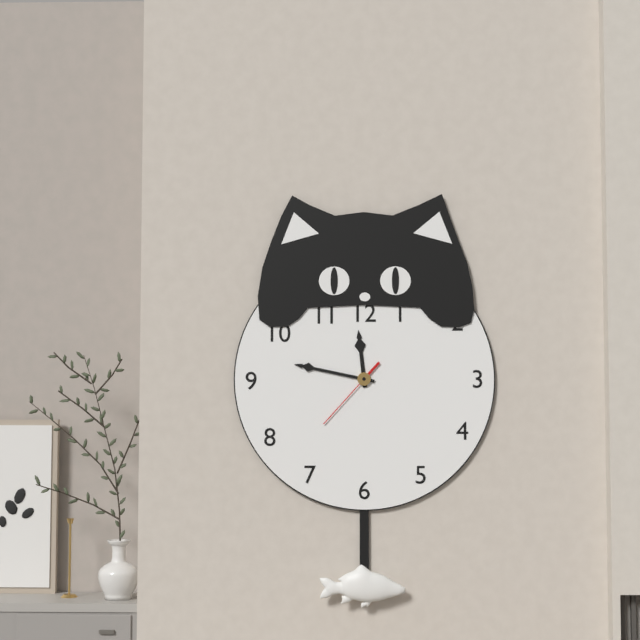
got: 11h47m37s
